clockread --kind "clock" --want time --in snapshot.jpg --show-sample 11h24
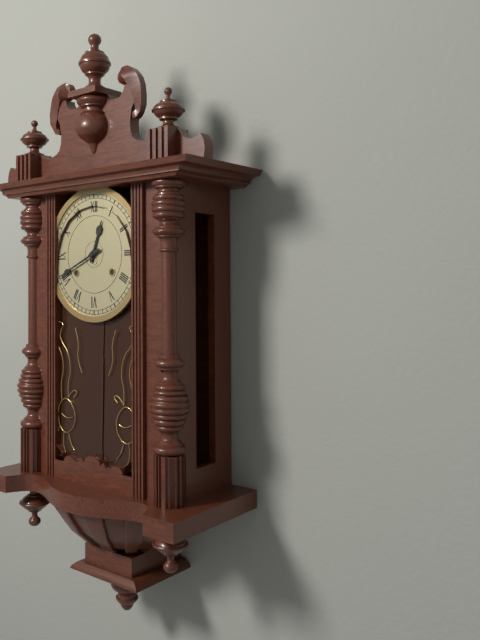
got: 12h41
